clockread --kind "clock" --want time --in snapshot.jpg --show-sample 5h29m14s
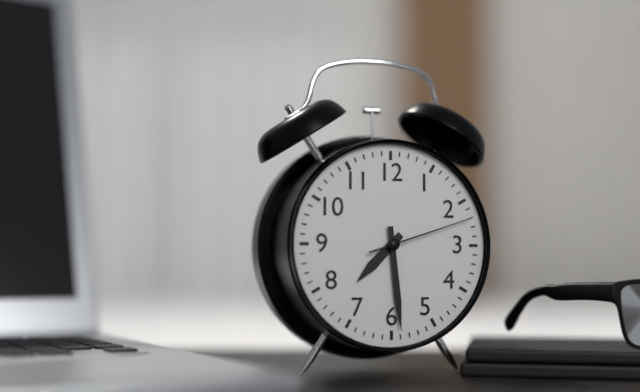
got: 7h29m12s
